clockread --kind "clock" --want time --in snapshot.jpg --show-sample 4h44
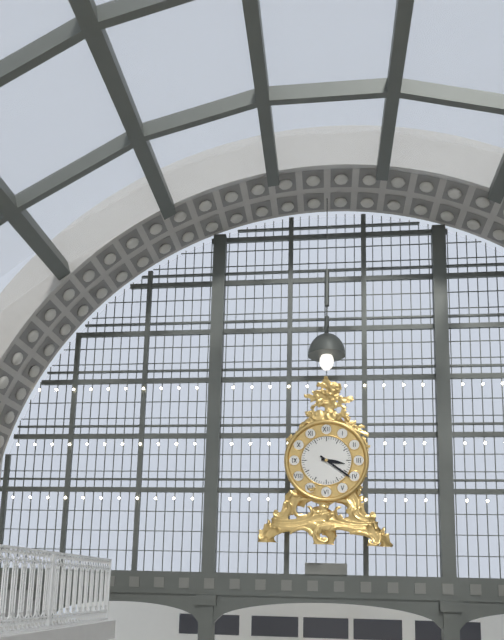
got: 3h21
